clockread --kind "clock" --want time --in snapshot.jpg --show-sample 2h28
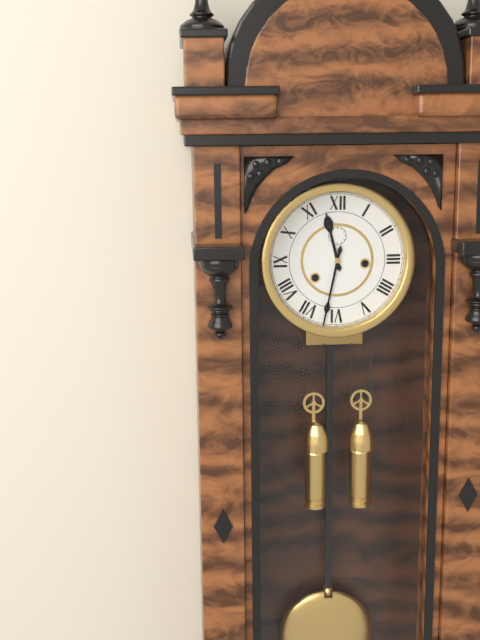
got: 11h32
